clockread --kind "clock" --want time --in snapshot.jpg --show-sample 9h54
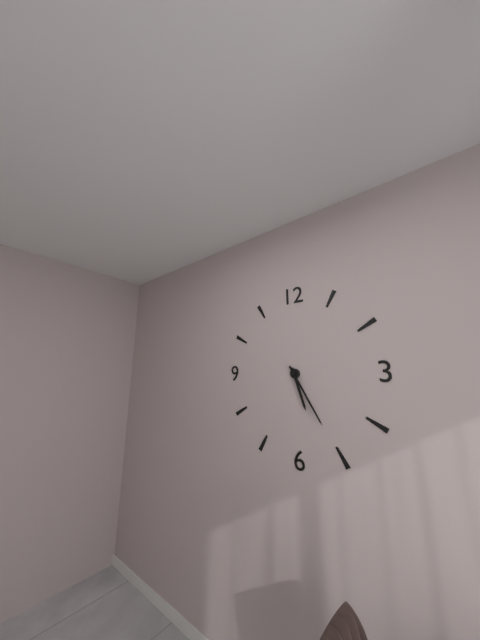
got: 5h25
